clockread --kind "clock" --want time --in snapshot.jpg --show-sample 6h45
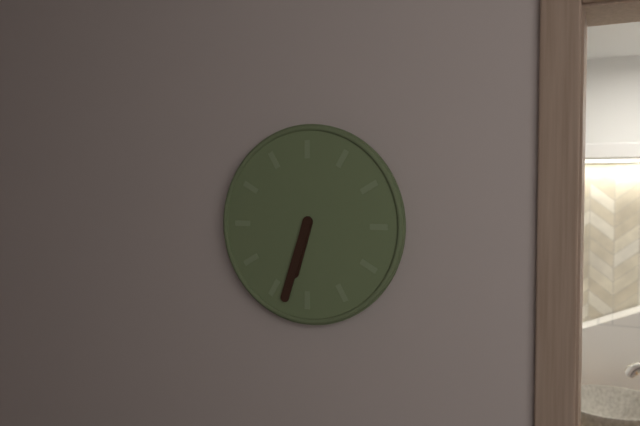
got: 6h33
